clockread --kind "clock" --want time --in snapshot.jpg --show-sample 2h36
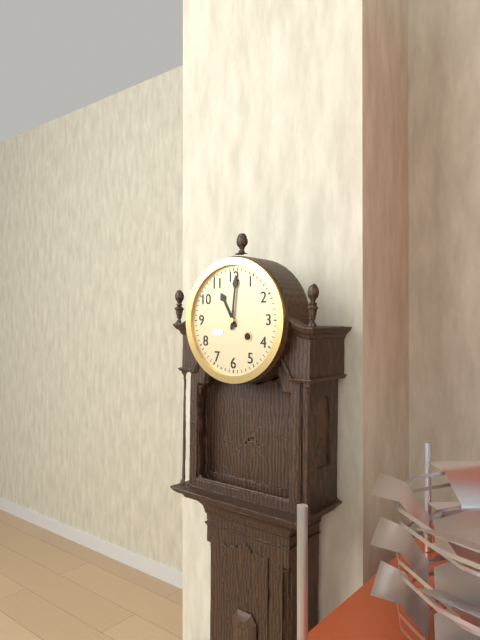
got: 11h01
